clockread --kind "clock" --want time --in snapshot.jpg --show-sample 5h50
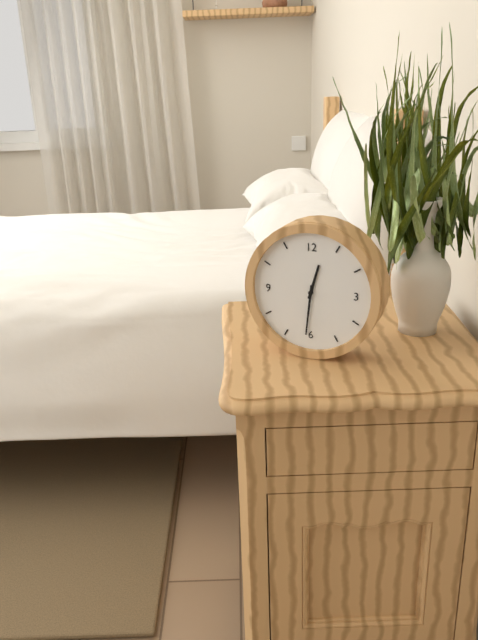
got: 12h31
